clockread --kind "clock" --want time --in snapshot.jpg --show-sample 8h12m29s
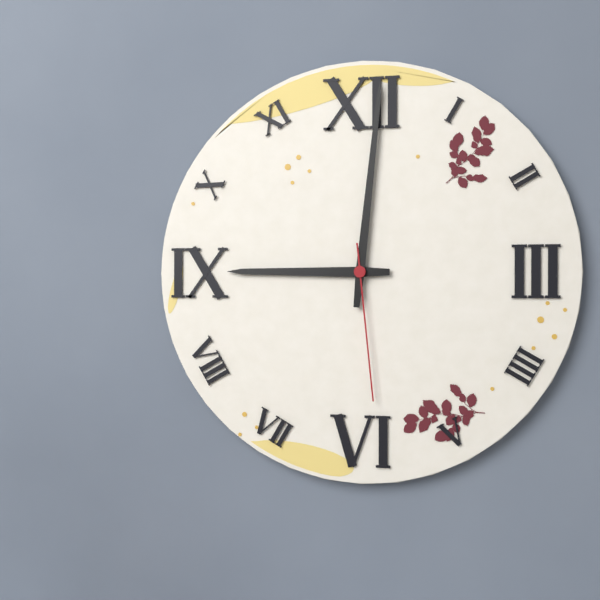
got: 9h01m29s
